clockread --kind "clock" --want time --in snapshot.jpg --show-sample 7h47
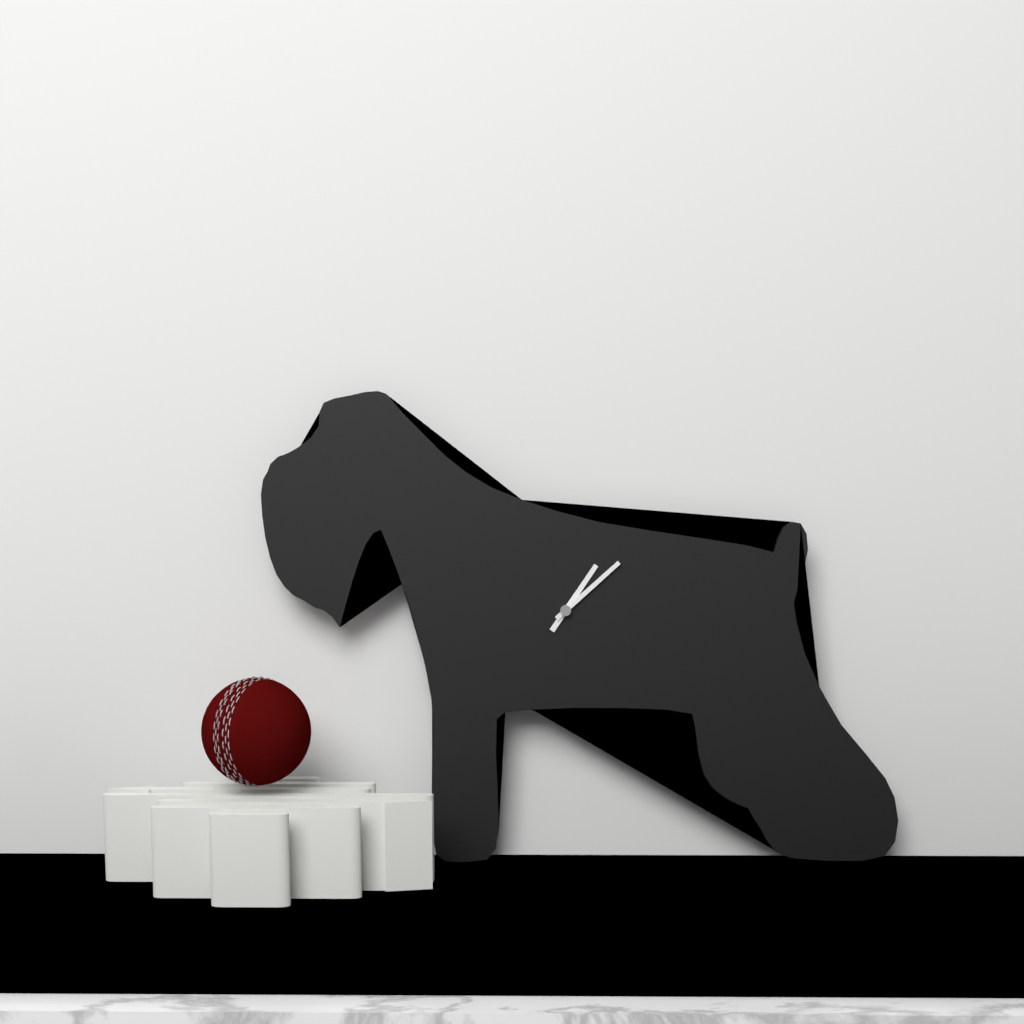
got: 1h08
